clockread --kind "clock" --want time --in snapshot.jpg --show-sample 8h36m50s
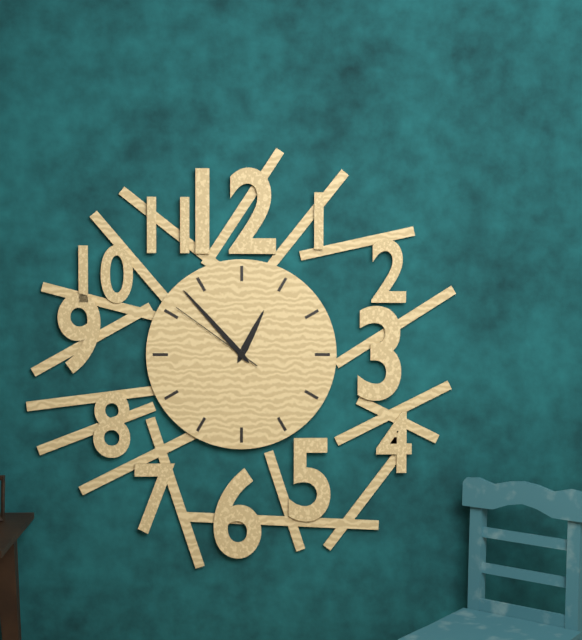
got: 12h53m51s
